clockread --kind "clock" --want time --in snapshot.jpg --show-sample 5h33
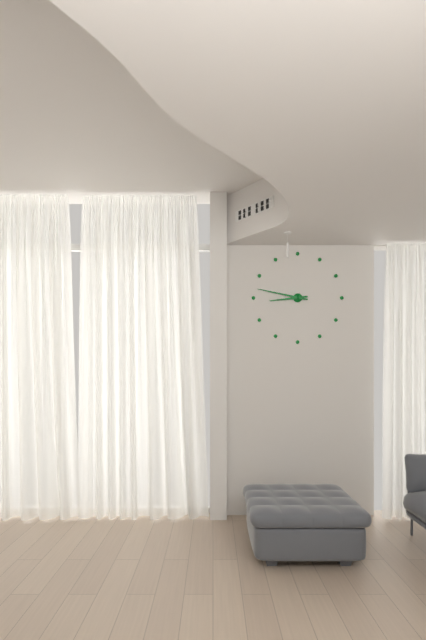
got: 8h47
